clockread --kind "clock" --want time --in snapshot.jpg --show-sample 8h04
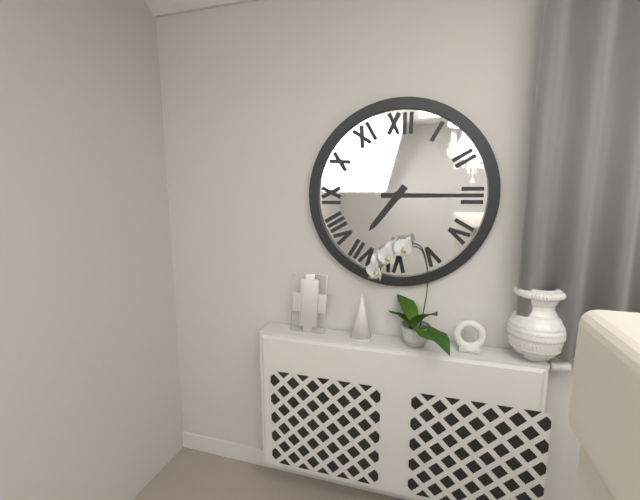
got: 7h15
